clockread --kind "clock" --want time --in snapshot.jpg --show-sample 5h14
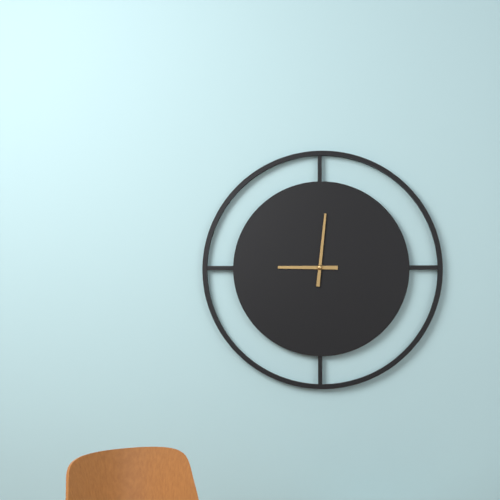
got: 9h01
